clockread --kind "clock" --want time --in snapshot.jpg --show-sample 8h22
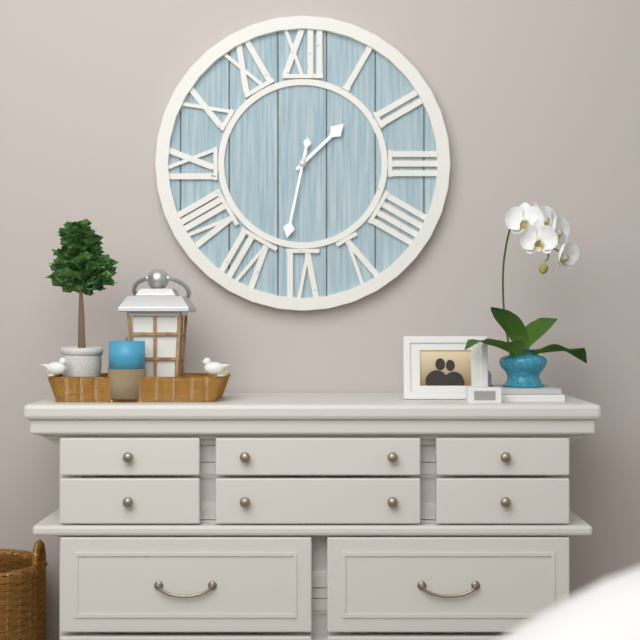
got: 1h32
